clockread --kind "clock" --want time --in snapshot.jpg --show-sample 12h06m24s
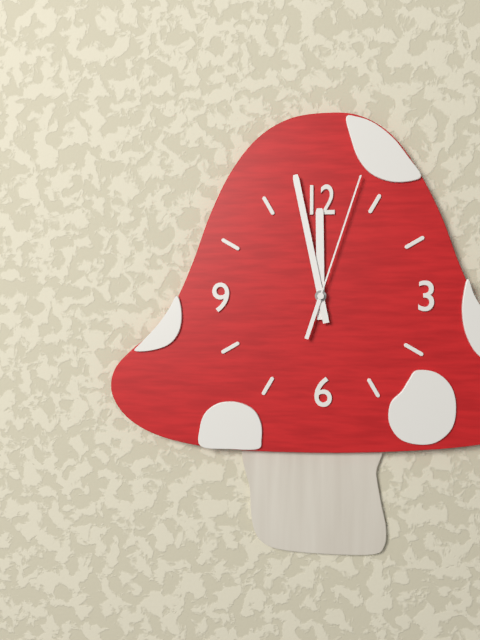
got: 11h58m03s
